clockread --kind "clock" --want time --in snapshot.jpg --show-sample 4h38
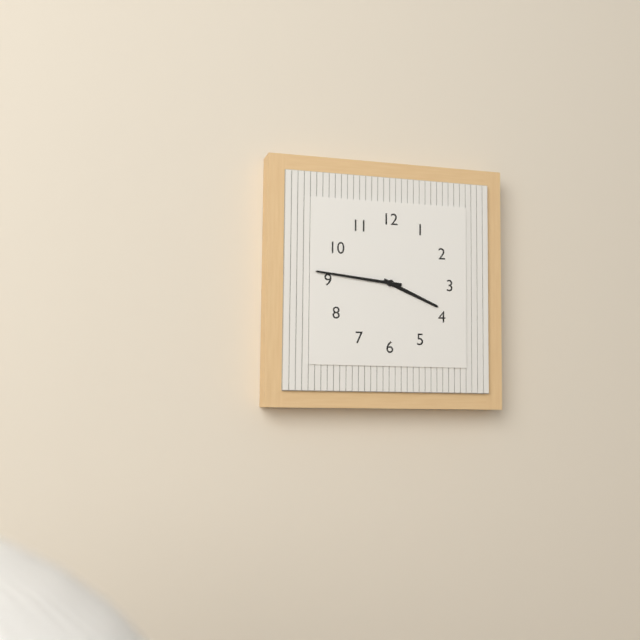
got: 3h46
